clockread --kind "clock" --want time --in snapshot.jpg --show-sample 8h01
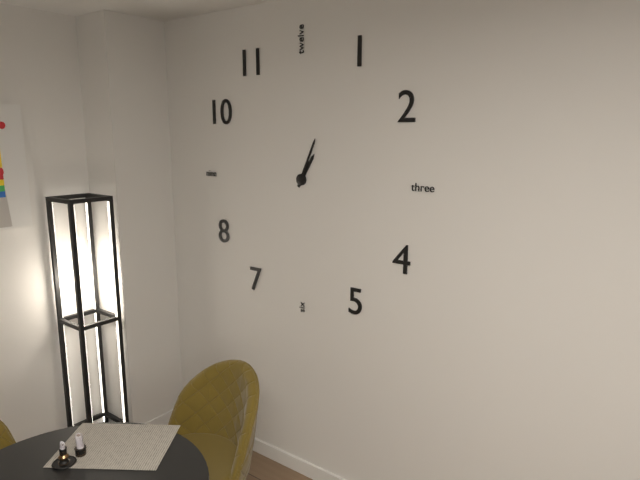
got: 1h04
